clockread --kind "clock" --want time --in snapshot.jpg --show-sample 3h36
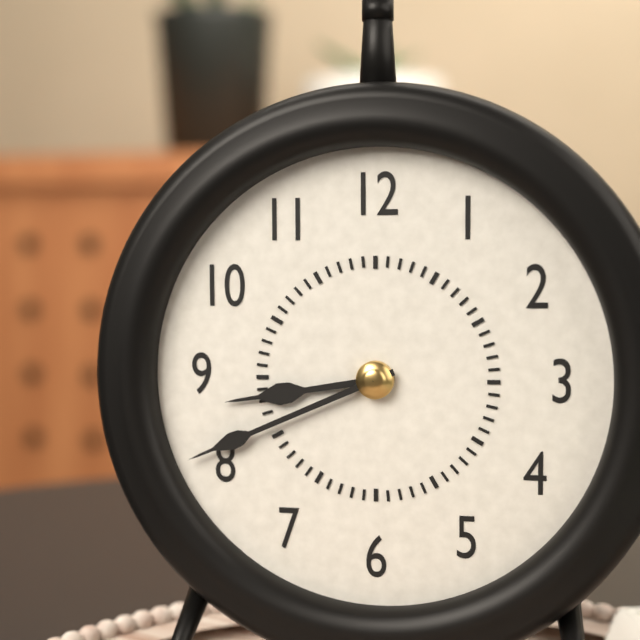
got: 8h41
